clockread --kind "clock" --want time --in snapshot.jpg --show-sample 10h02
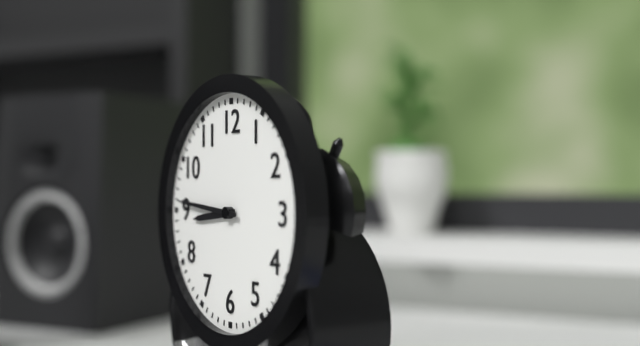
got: 8h46
